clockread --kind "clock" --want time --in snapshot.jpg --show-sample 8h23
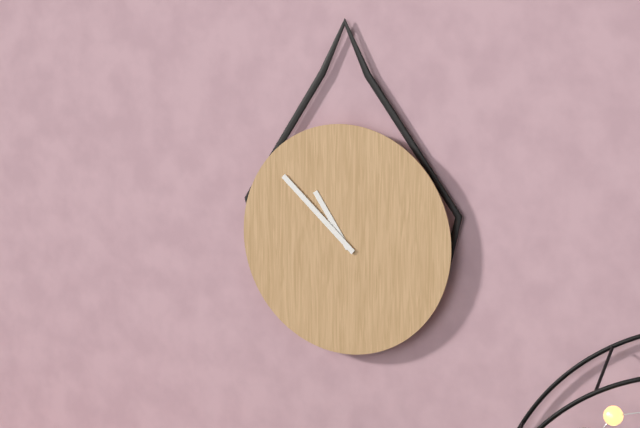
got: 10h52
